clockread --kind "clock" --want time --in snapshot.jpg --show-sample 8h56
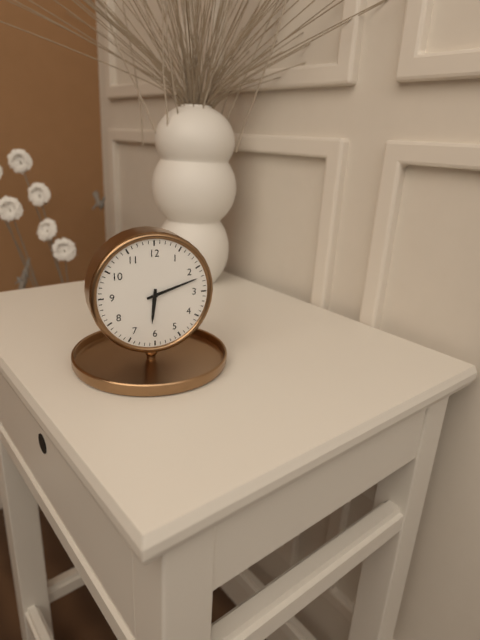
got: 6h12
